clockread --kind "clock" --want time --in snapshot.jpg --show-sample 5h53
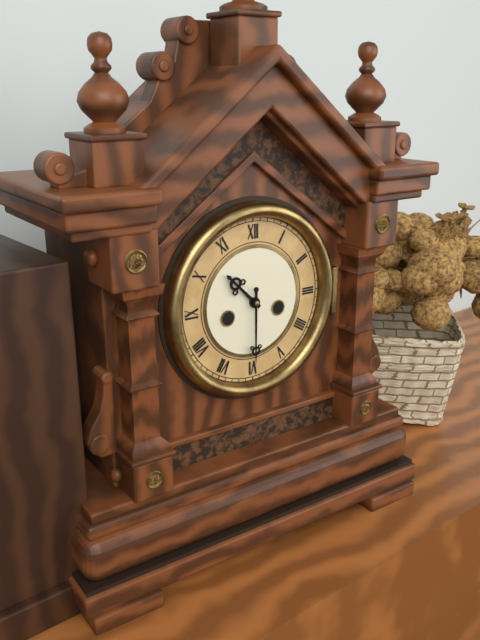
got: 10h30
